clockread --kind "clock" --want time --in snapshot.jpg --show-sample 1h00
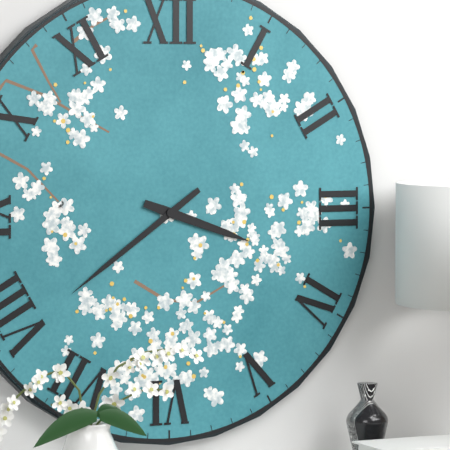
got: 3h39
